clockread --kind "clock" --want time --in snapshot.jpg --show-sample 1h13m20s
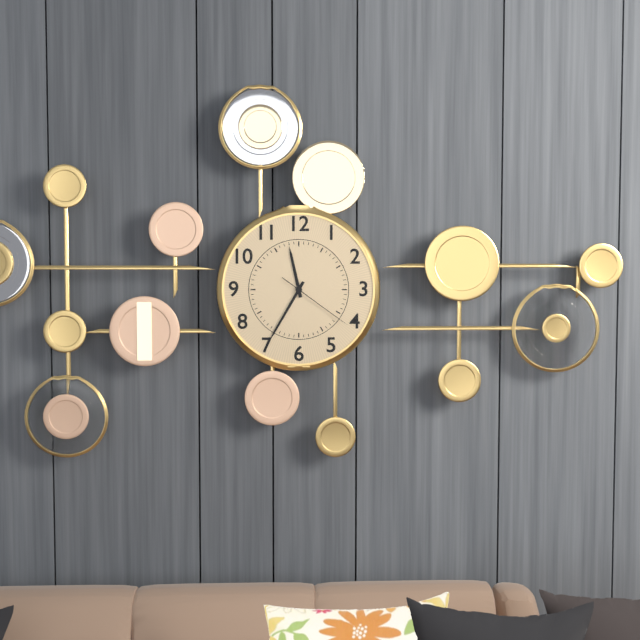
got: 11h35m21s
